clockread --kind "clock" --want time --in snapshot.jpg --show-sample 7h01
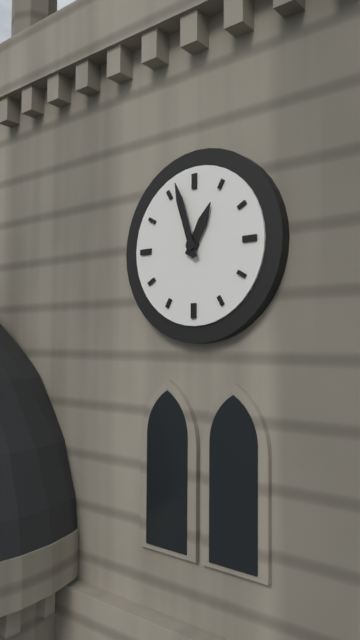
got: 12h57
